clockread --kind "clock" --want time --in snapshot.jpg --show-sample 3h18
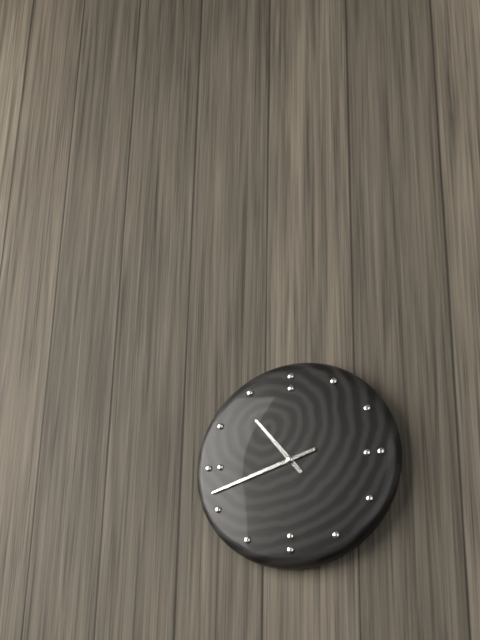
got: 10h42
